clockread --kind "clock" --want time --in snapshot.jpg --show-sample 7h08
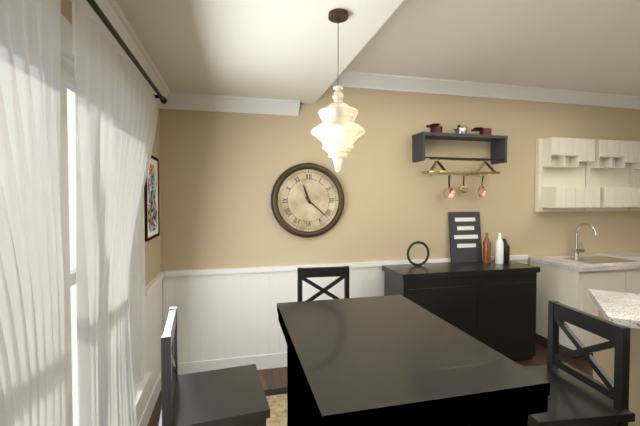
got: 11h22
